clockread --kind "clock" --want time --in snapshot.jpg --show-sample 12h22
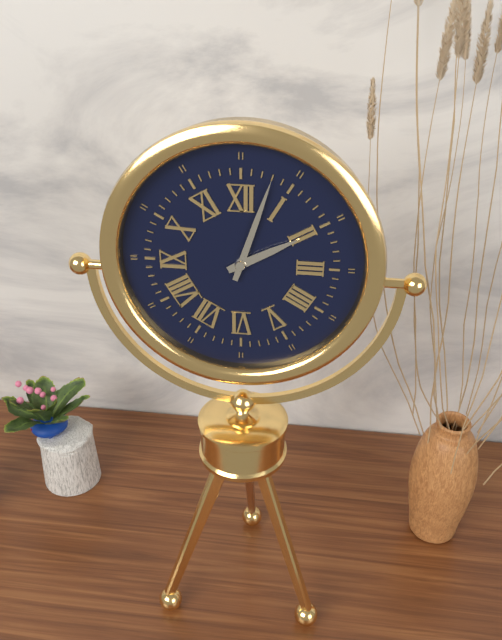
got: 2h03
